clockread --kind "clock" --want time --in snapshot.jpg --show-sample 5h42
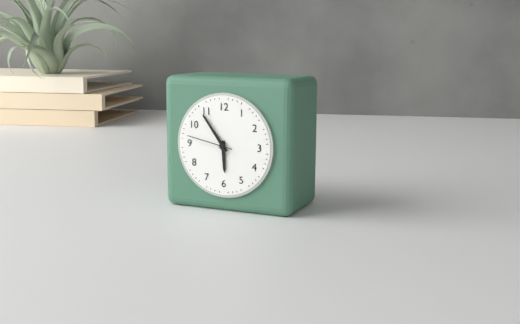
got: 5h54
